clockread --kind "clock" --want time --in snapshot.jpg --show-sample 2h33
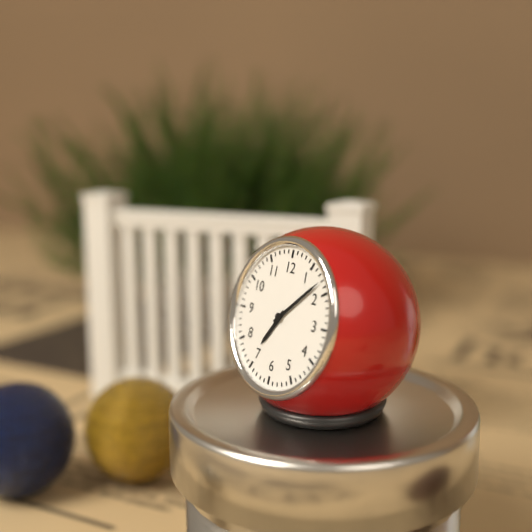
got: 7h08
